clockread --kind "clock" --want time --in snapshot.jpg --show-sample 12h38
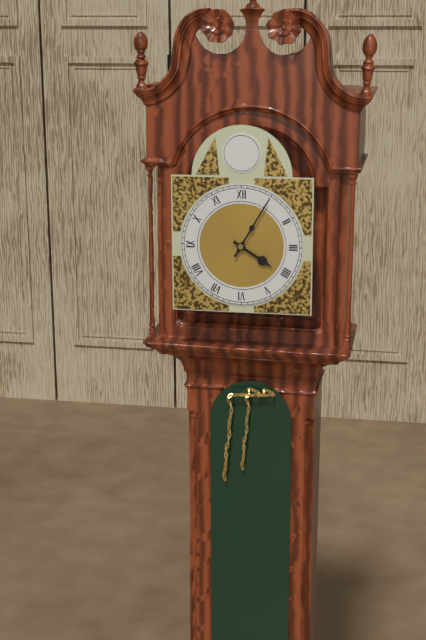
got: 4h05
